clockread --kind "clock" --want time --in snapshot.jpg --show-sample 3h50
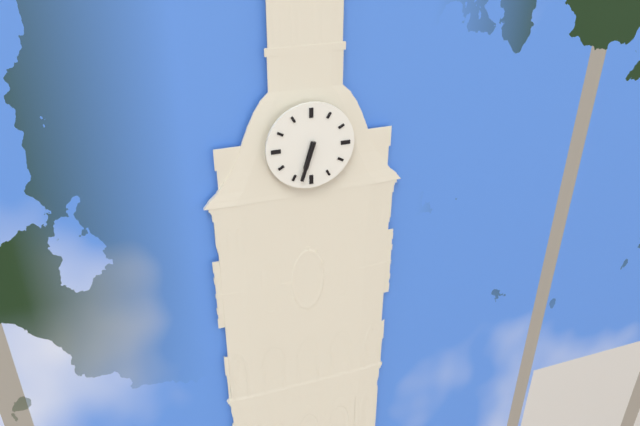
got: 6h33
